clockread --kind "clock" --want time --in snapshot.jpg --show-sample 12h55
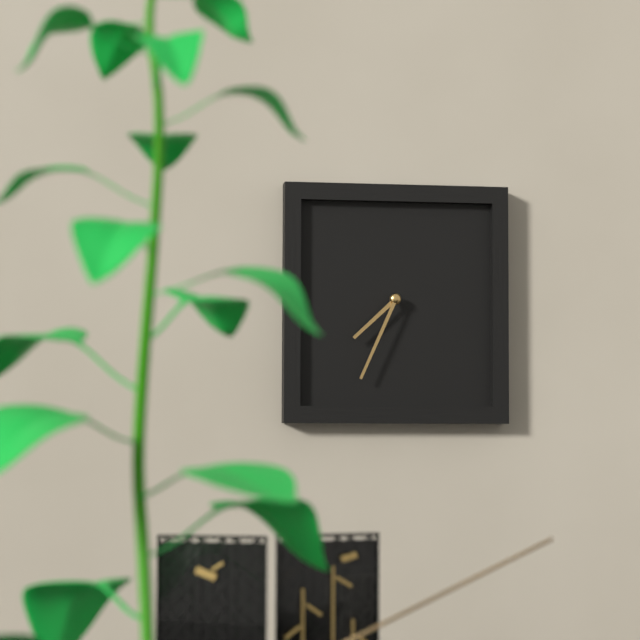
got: 7h34
